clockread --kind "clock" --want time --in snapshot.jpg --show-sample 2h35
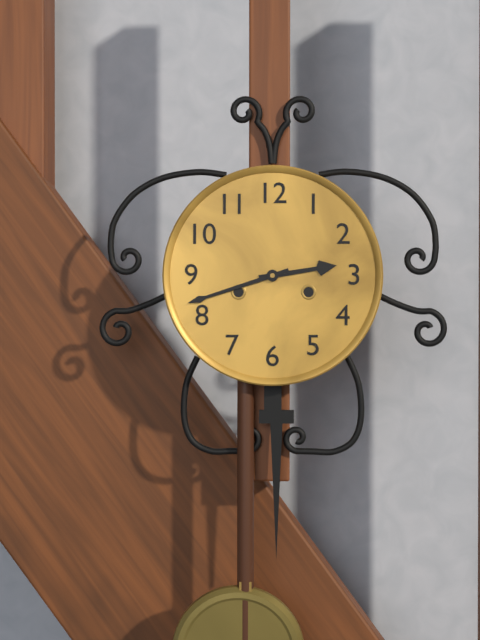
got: 2h42
